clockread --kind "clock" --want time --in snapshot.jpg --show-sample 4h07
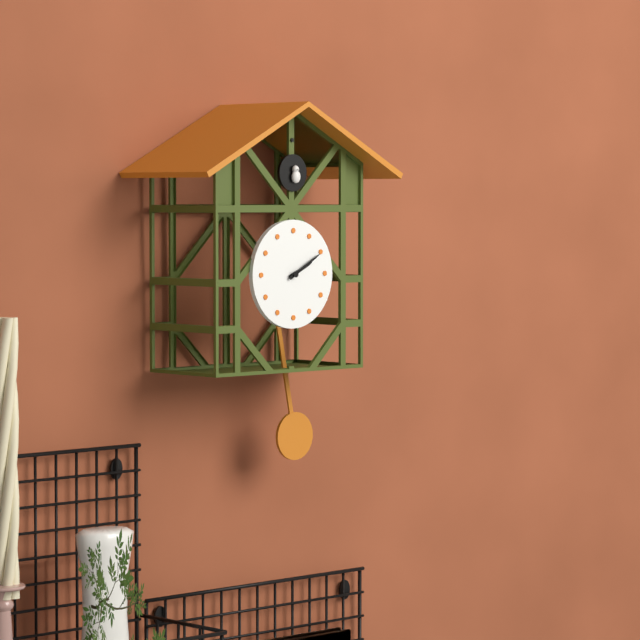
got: 2h10
